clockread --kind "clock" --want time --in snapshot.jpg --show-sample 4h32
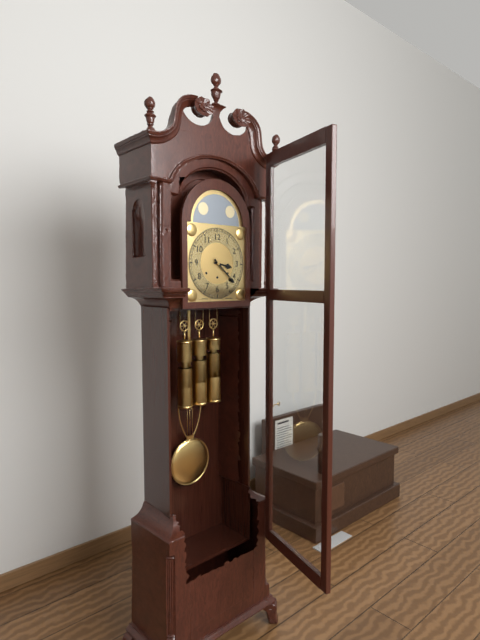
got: 3h22
